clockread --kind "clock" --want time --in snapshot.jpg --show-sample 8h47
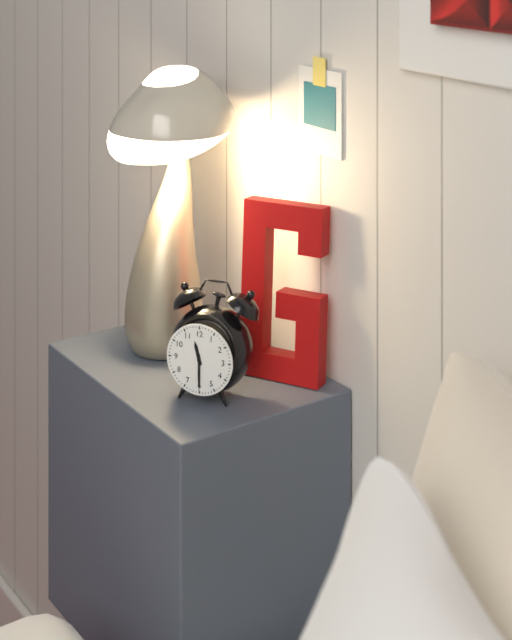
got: 11h30
